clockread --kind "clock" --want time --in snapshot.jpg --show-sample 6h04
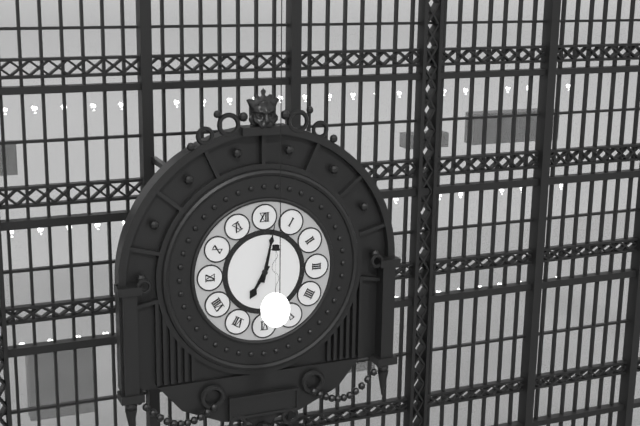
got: 7h02
